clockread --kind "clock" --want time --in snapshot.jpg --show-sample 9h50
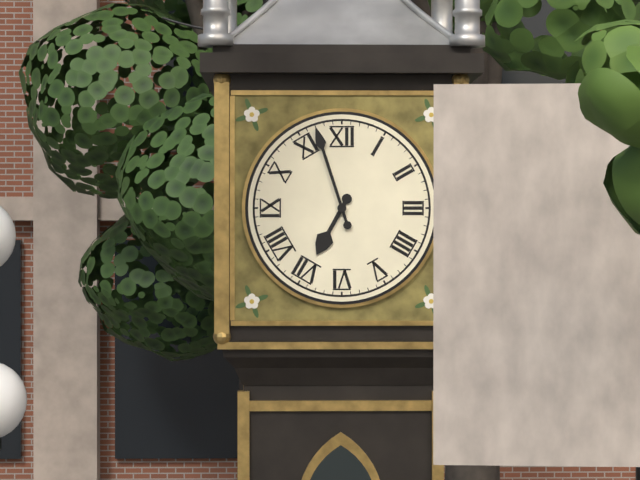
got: 6h57
